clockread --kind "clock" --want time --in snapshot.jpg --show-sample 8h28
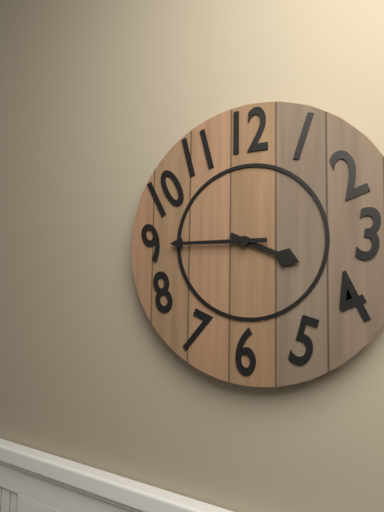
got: 3h45
